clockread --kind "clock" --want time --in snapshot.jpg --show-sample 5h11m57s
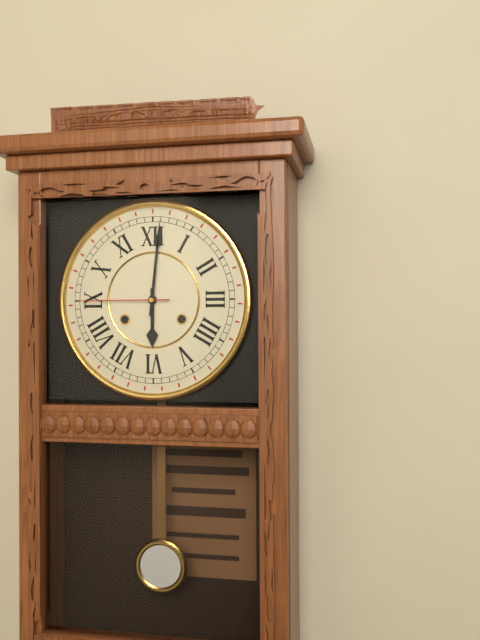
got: 6h01m45s
